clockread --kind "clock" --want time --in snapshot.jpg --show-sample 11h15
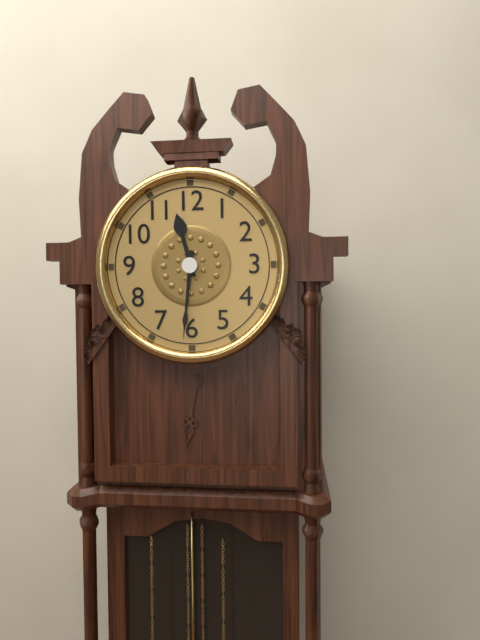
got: 11h31
